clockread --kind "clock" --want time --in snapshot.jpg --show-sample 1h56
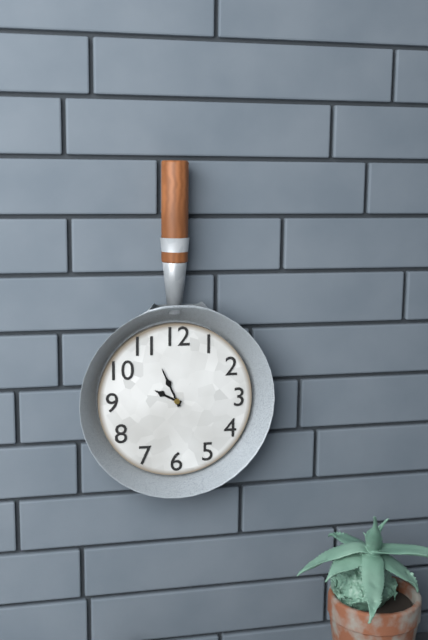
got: 9h56
